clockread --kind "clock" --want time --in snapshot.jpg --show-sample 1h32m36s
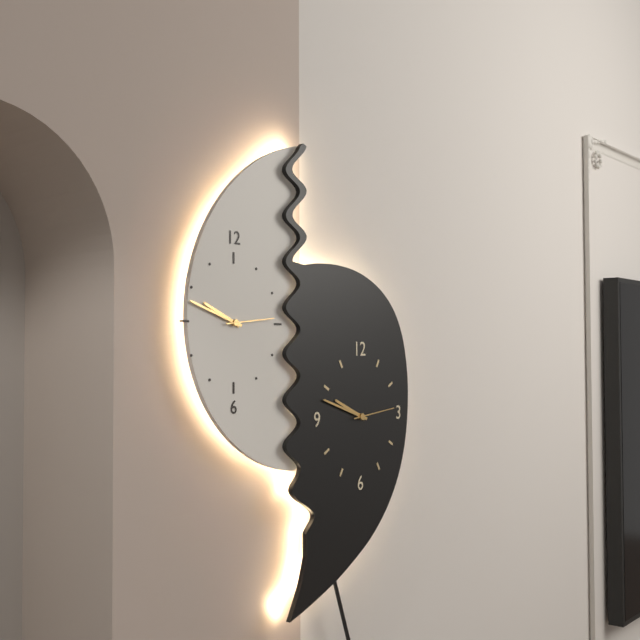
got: 9h48m14s
